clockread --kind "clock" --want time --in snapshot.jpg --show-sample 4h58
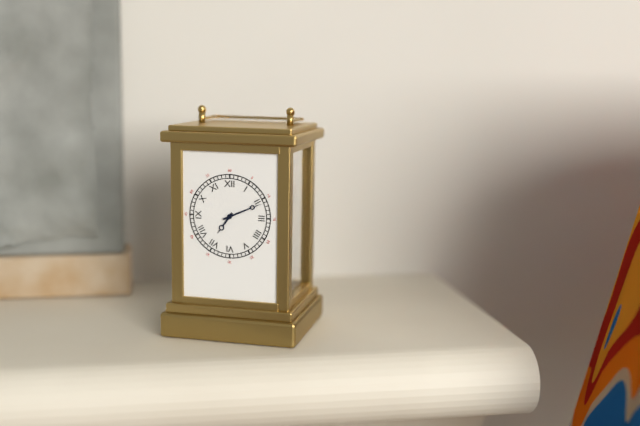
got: 7h11
